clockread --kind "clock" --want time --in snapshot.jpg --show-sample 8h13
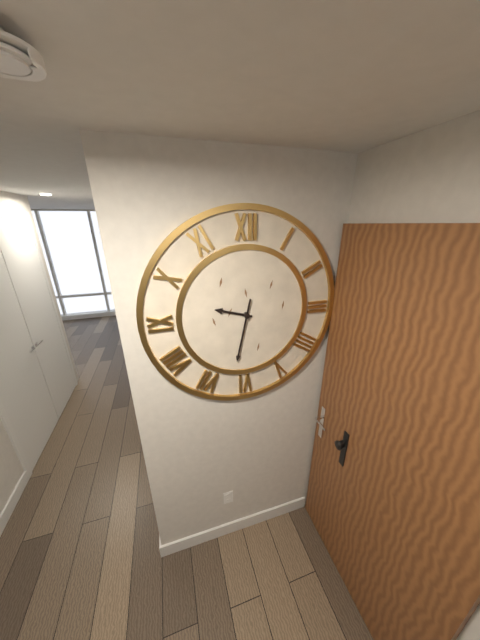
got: 9h32
